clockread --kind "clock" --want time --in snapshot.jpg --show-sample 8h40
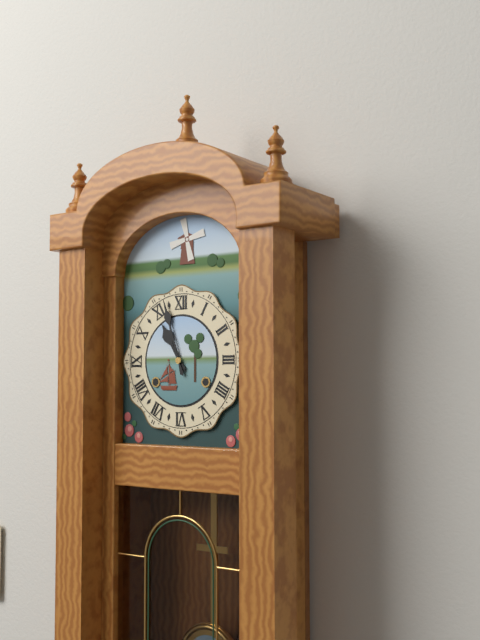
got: 10h57
